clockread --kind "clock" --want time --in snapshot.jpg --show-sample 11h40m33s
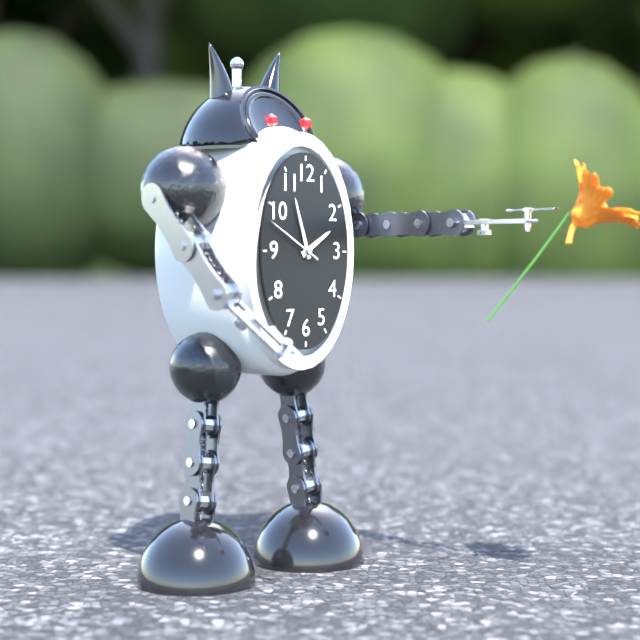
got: 1h57m50s
